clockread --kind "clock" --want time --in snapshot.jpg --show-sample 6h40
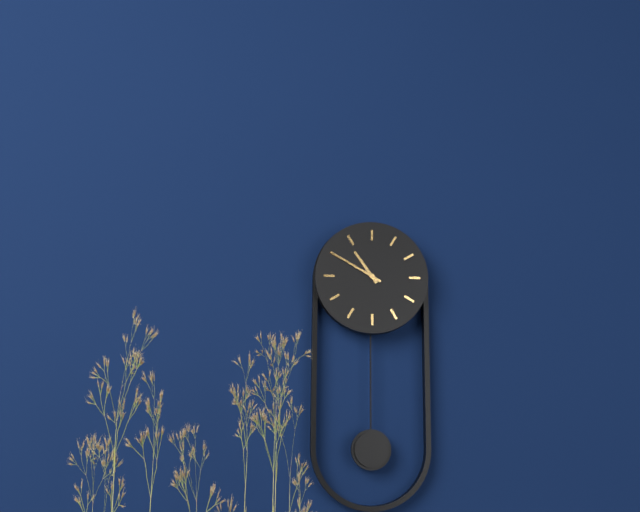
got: 10h50
